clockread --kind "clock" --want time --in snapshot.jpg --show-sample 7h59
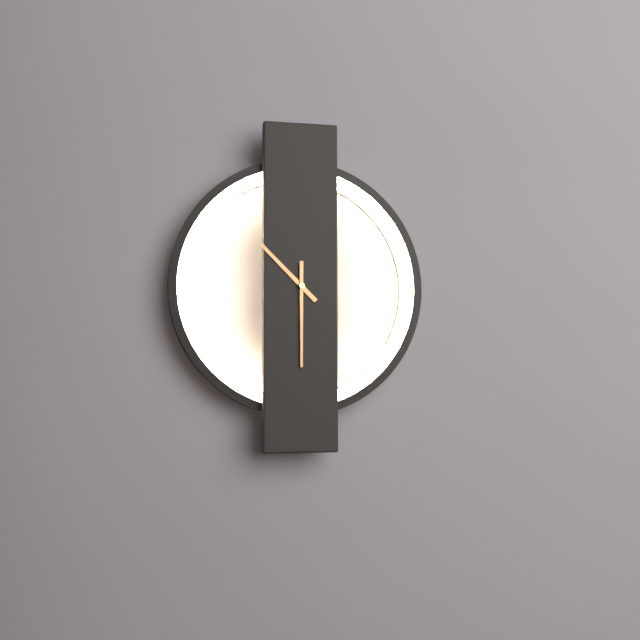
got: 10h30
